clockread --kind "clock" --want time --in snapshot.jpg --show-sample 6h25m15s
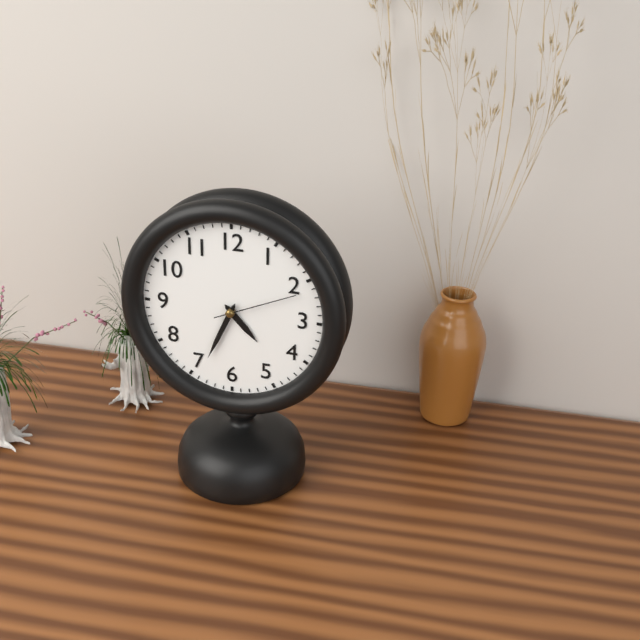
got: 4h34m11s
